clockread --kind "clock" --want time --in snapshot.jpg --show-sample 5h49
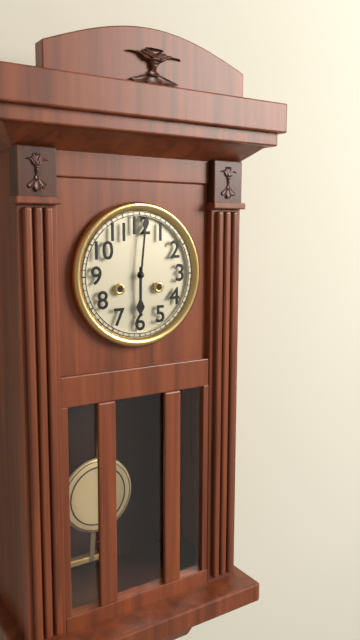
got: 6h01
